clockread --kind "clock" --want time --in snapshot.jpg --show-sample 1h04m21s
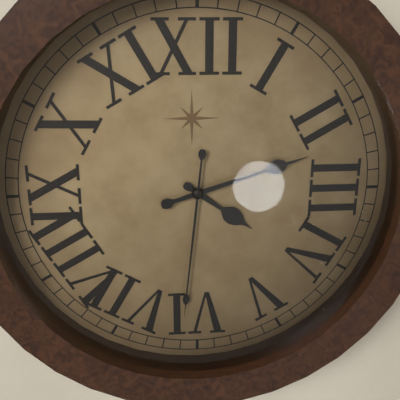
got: 4h12m31s
